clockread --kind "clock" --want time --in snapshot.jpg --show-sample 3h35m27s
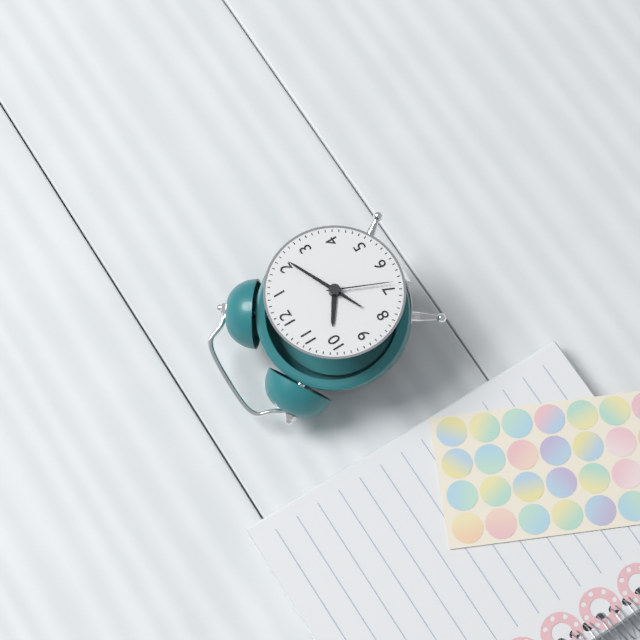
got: 10h11m34s
